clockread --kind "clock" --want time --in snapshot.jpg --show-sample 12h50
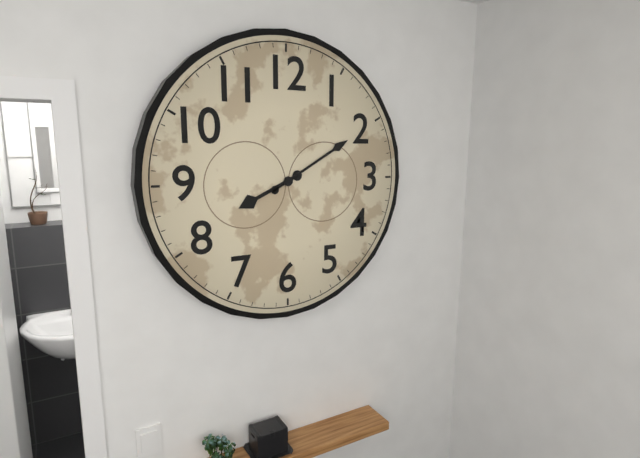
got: 8h10
